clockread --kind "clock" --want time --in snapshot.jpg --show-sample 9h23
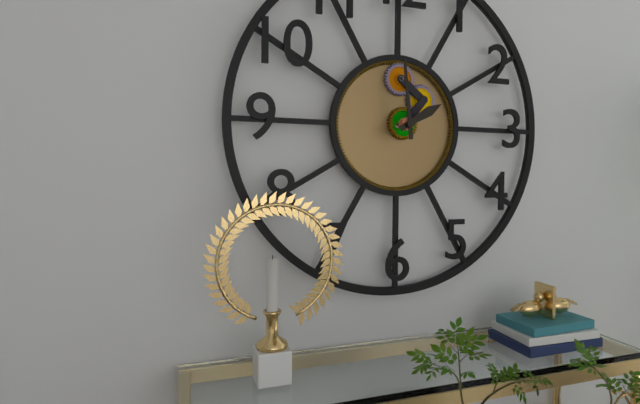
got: 1h59
